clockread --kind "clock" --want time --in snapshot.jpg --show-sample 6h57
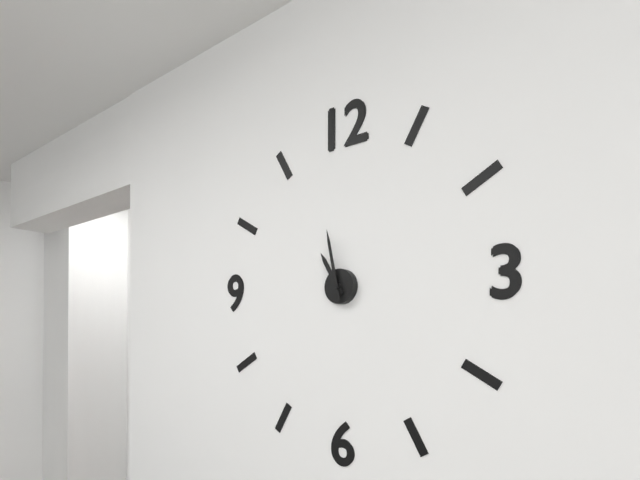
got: 10h58
